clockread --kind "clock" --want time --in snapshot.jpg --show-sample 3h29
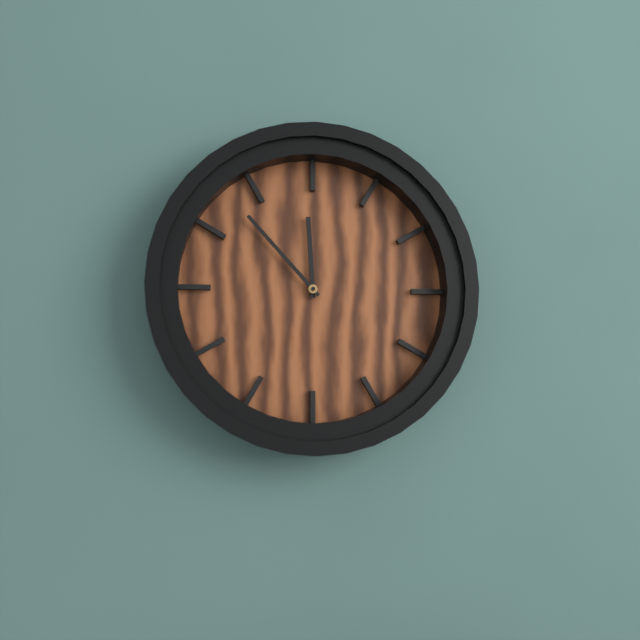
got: 11h53
